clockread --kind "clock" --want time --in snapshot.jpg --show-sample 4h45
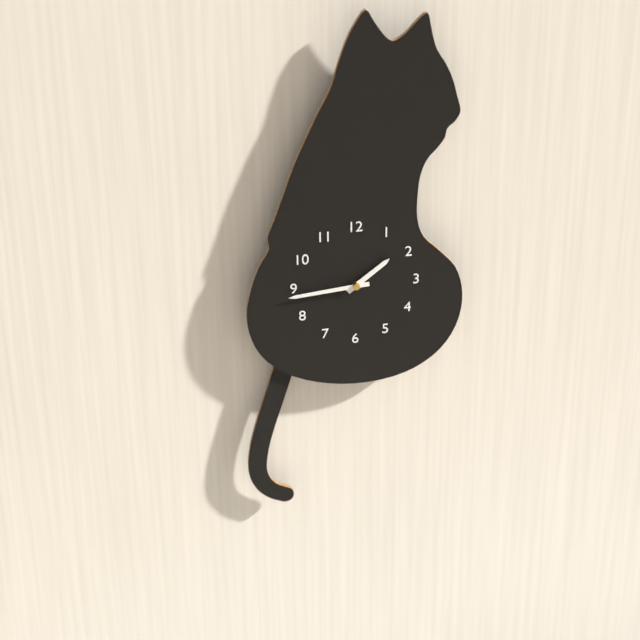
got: 1h44
